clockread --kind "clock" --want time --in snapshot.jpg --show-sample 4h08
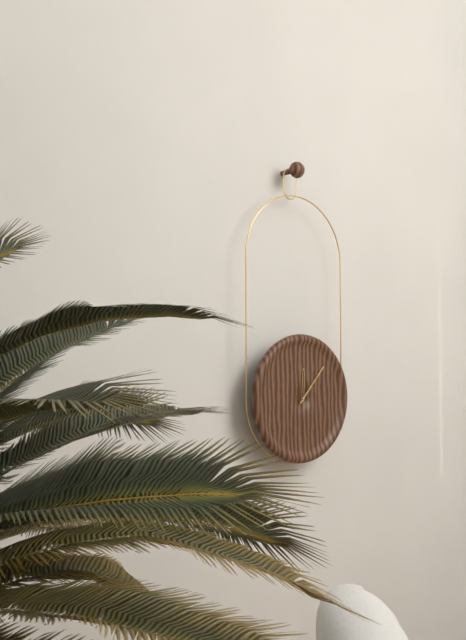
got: 12h07
